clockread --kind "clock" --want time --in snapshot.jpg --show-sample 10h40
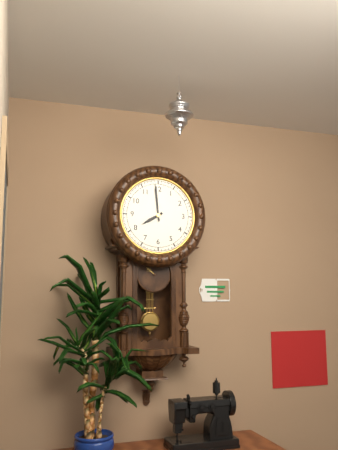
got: 7h59
